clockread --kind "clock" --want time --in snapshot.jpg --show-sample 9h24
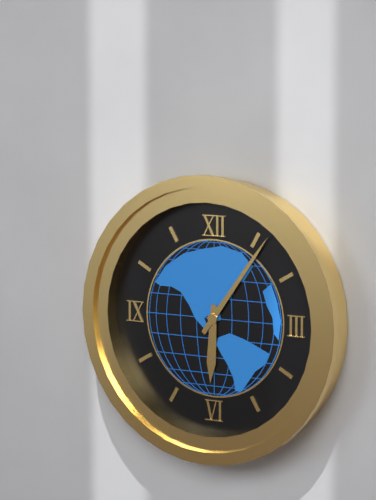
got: 6h06
